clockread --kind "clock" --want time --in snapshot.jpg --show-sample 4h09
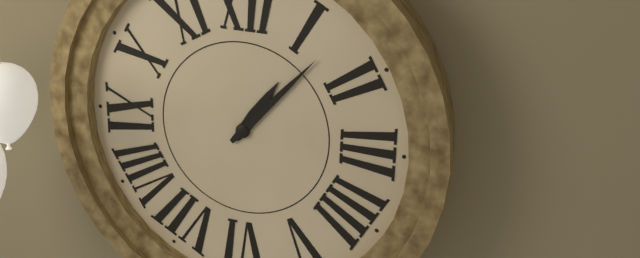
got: 1h07
